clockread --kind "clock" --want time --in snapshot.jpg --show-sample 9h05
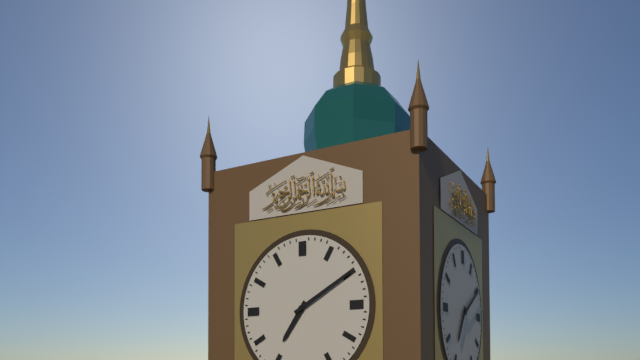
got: 7h10
